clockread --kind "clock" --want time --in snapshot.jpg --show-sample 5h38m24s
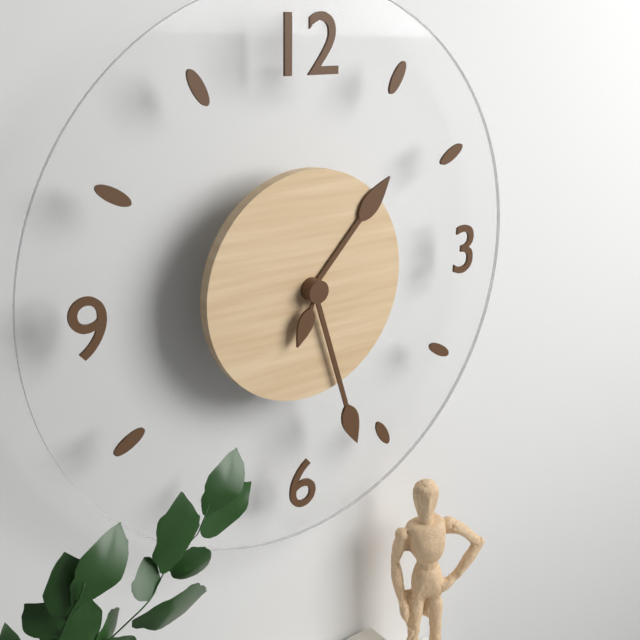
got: 1h27m34s
